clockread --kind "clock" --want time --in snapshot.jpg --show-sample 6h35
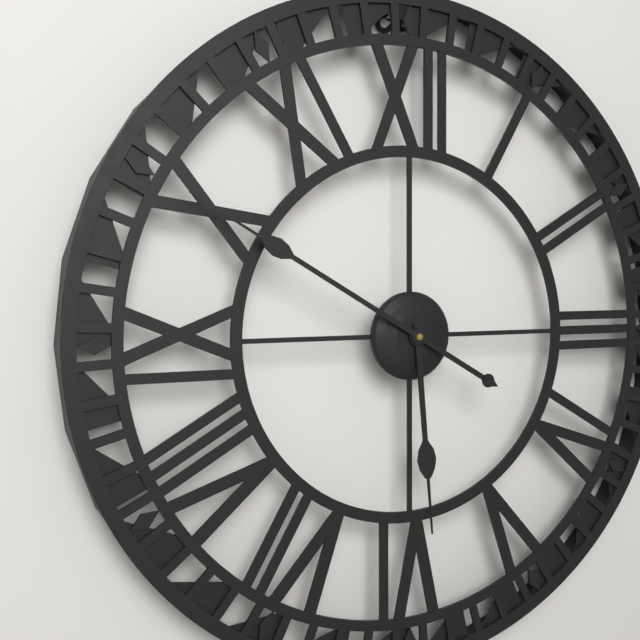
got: 5h50
